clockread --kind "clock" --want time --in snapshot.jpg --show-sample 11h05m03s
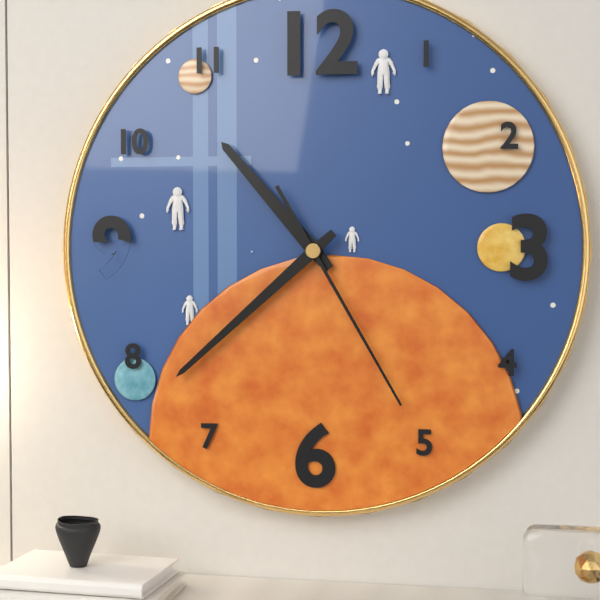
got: 10h38m25s
